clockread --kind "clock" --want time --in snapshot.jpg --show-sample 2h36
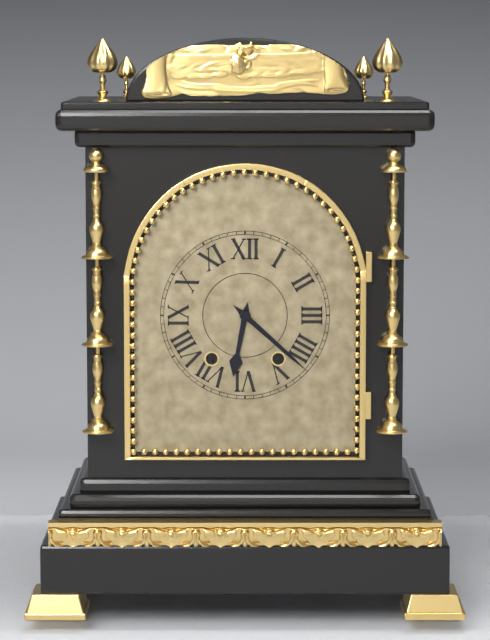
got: 6h22
